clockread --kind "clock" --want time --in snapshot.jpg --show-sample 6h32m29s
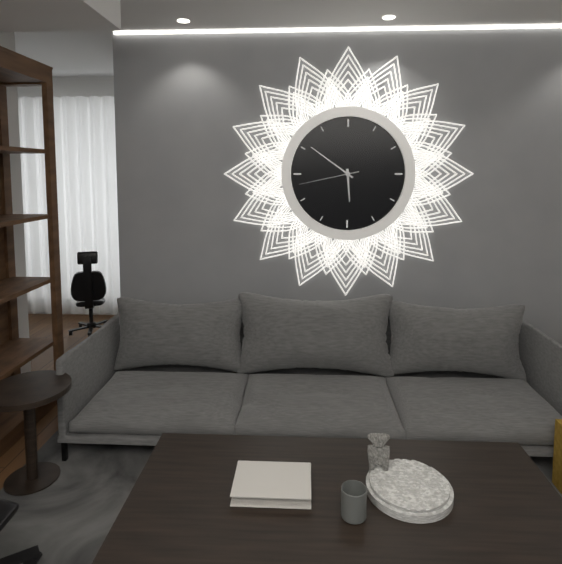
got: 5h51m43s
